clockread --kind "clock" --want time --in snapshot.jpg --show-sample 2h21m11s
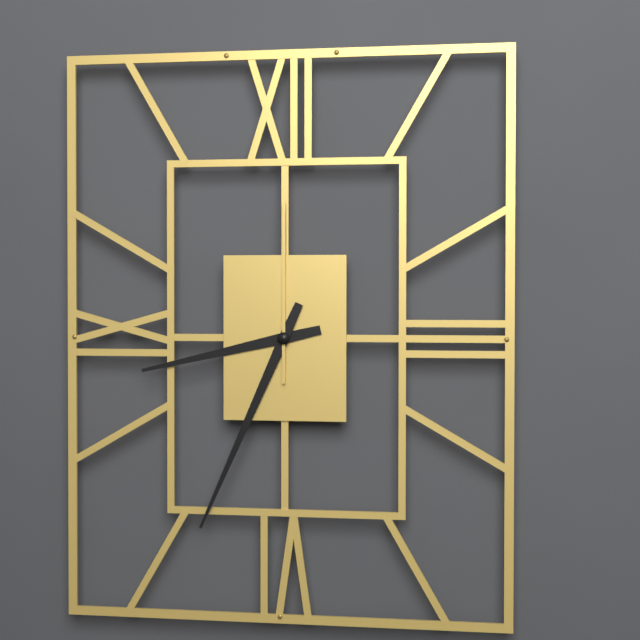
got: 8h34m00s
